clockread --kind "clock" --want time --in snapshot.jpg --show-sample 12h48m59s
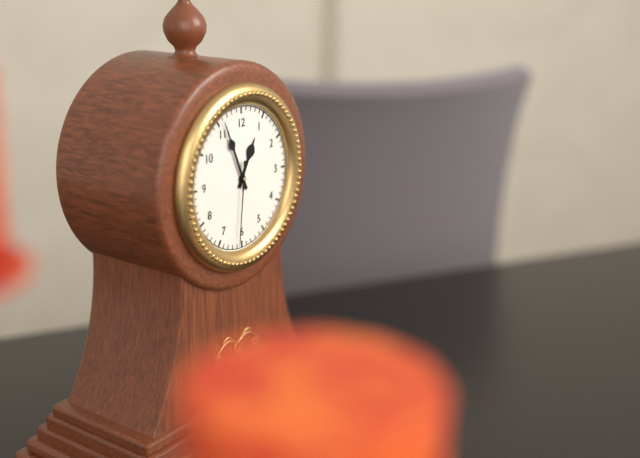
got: 12h56m31s
